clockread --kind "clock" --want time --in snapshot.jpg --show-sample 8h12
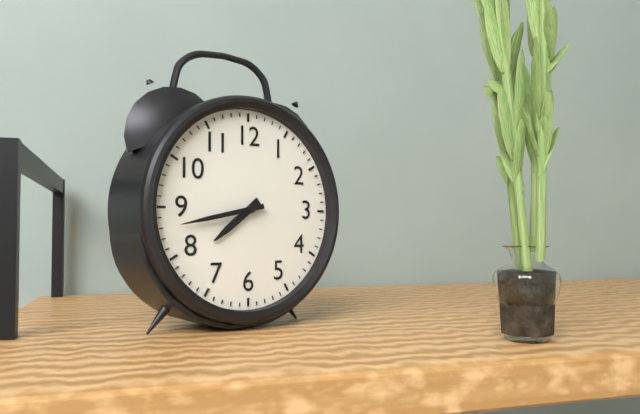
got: 7h43
